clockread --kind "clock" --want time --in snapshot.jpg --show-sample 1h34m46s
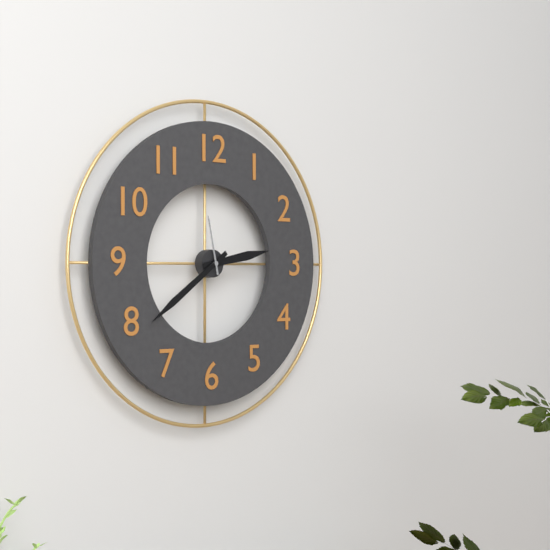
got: 2h39m58s
